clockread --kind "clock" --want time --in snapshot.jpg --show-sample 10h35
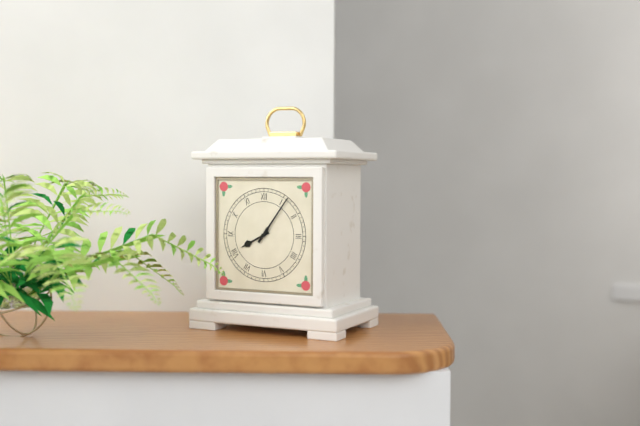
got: 8h06
